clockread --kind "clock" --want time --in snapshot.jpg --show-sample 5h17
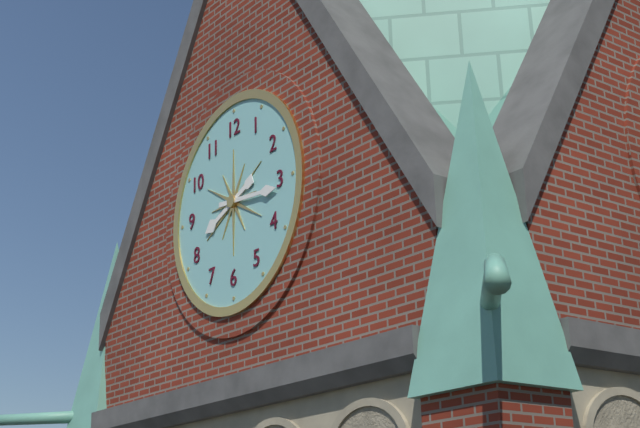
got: 8h16
